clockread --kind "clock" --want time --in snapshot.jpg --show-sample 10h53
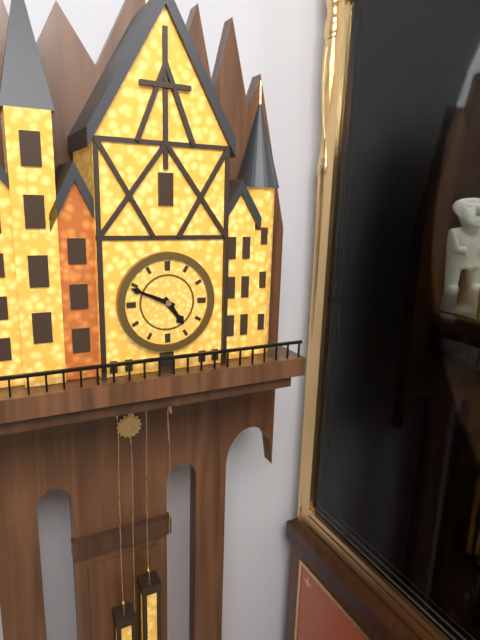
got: 4h49
